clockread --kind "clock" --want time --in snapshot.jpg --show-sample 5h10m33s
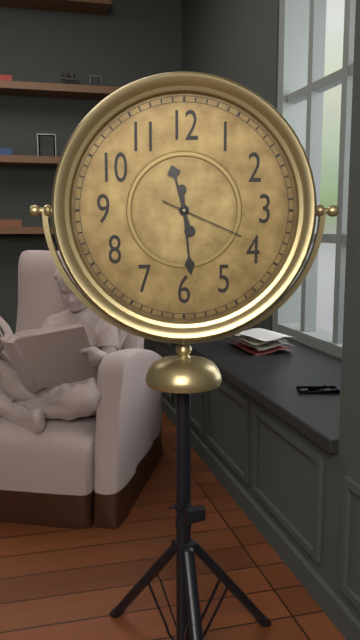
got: 11h29m19s
